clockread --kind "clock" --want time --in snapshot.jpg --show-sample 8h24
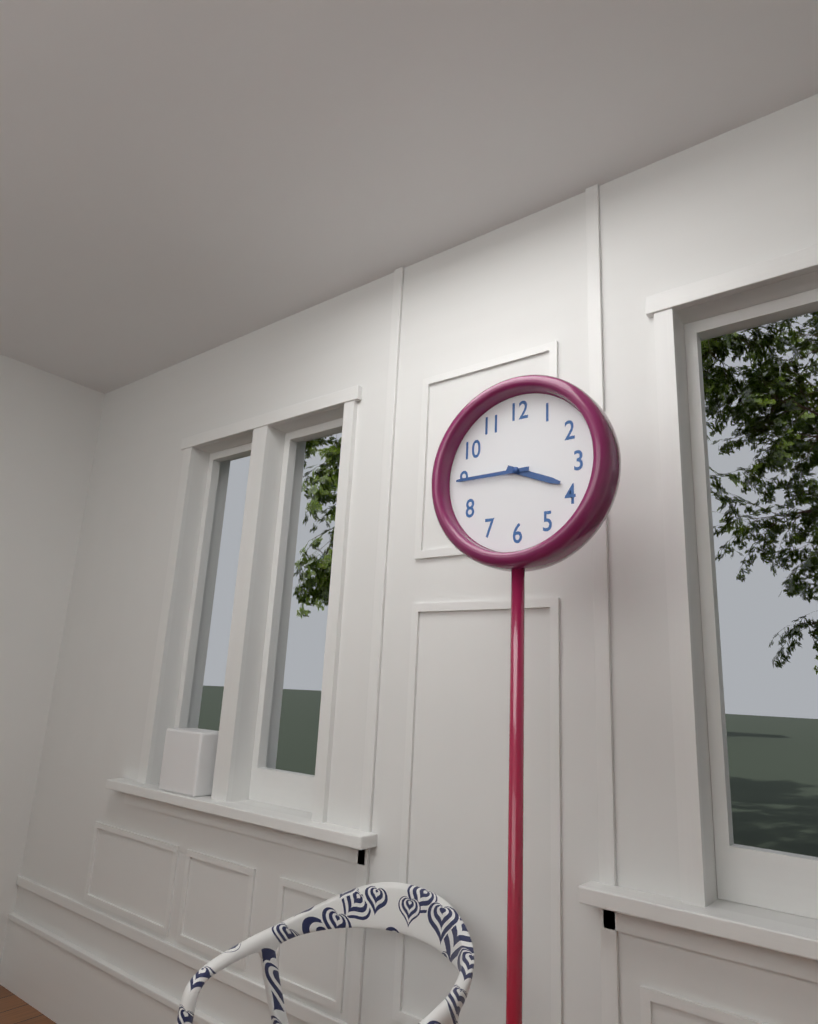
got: 3h45
